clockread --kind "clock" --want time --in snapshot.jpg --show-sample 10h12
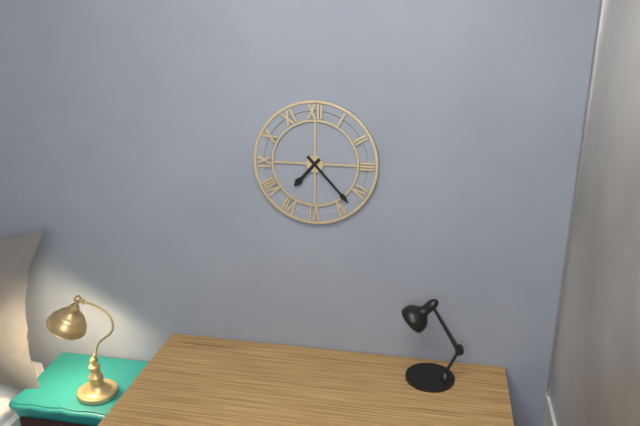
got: 7h23
